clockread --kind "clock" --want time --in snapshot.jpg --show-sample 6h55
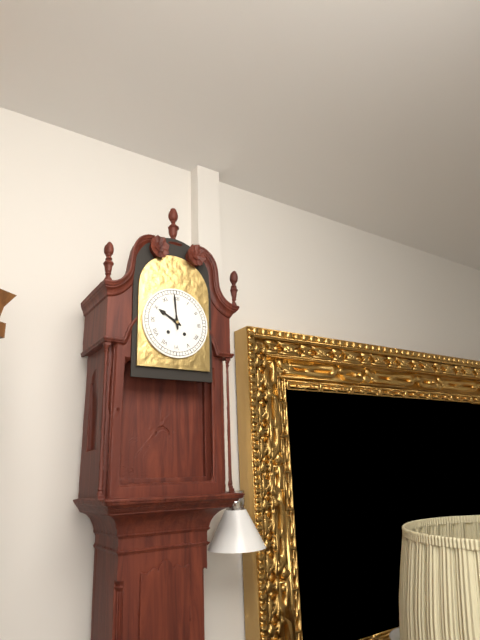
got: 9h59
